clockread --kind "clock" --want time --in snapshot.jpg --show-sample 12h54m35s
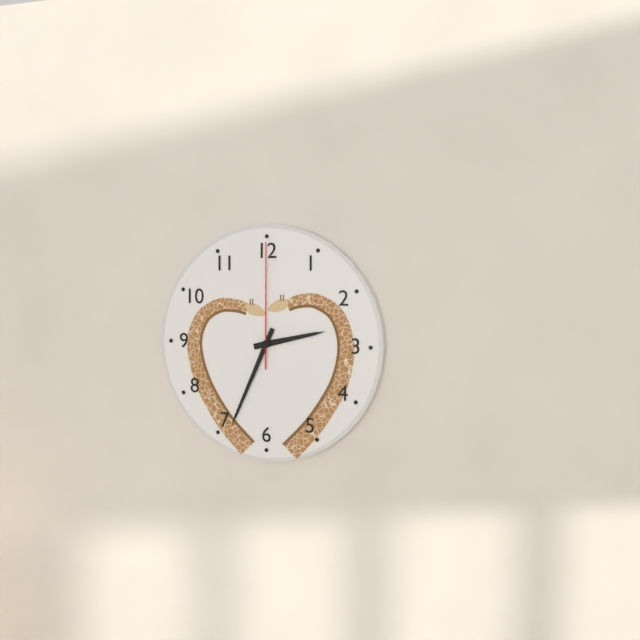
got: 2h34m00s
